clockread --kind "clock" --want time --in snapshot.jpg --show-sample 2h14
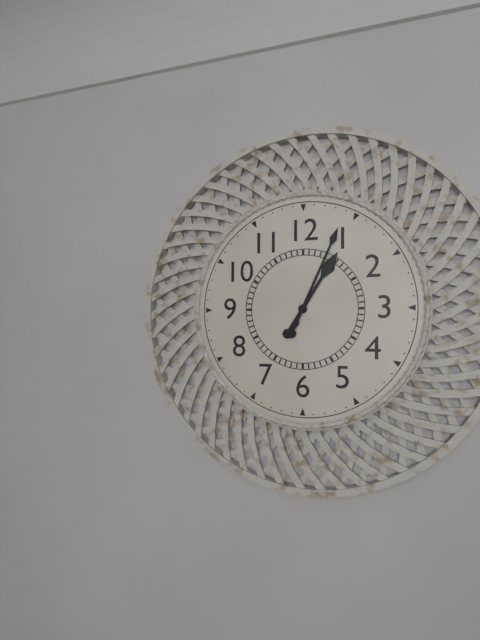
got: 1h04
